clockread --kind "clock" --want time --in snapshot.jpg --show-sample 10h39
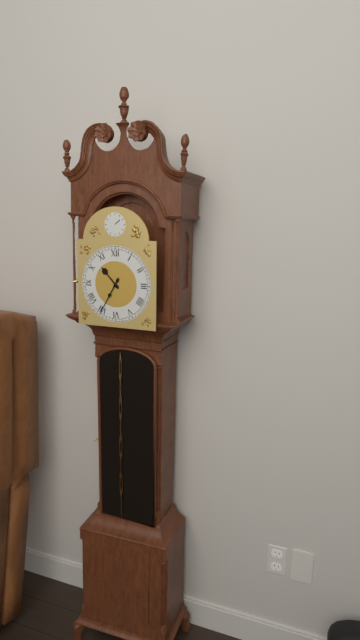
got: 10h35
